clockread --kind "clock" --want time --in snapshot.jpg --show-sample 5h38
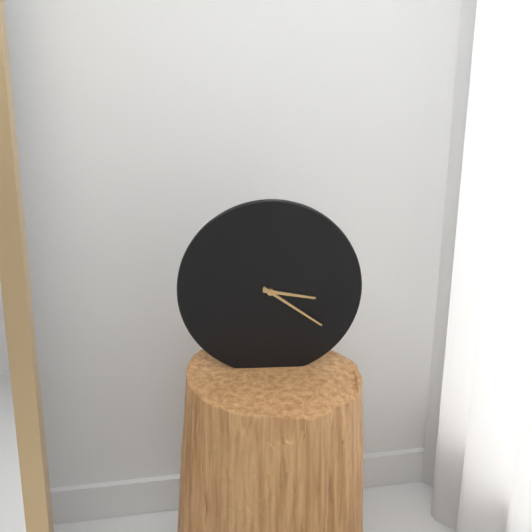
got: 3h21
